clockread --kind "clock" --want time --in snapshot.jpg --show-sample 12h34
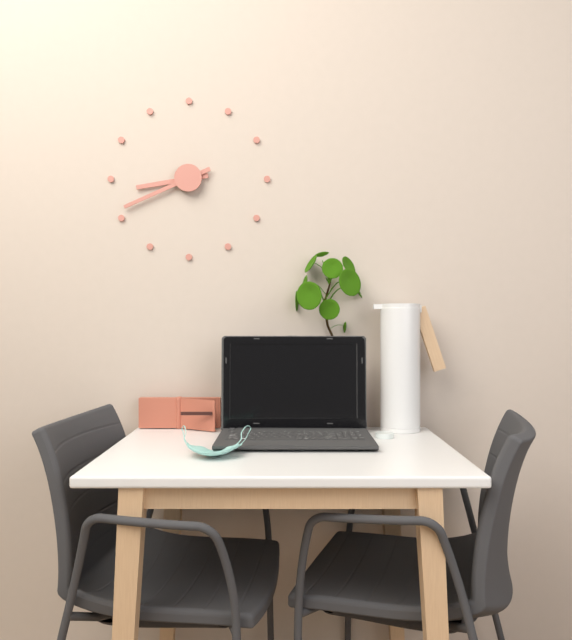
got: 8h41
